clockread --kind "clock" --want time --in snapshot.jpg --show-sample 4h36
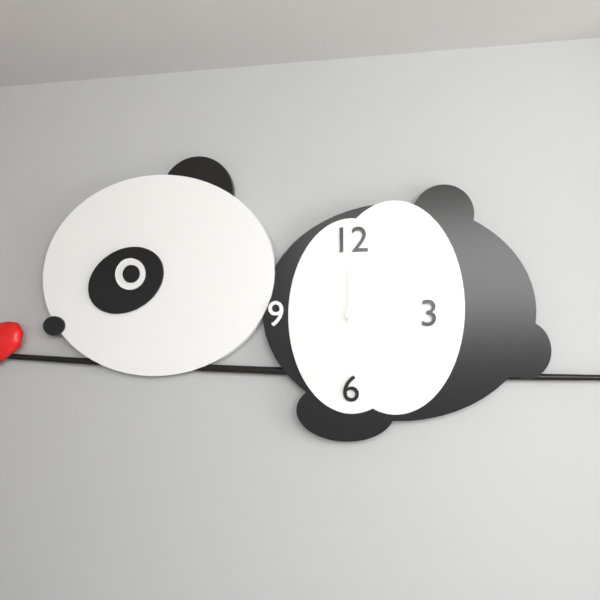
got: 12h00
